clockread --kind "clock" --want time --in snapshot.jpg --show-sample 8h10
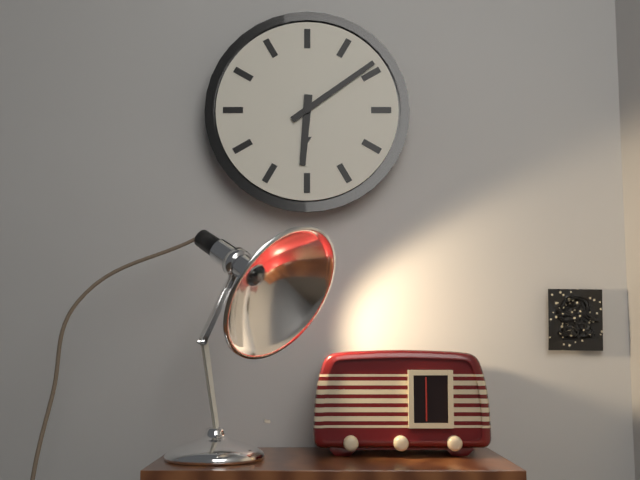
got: 6h09
